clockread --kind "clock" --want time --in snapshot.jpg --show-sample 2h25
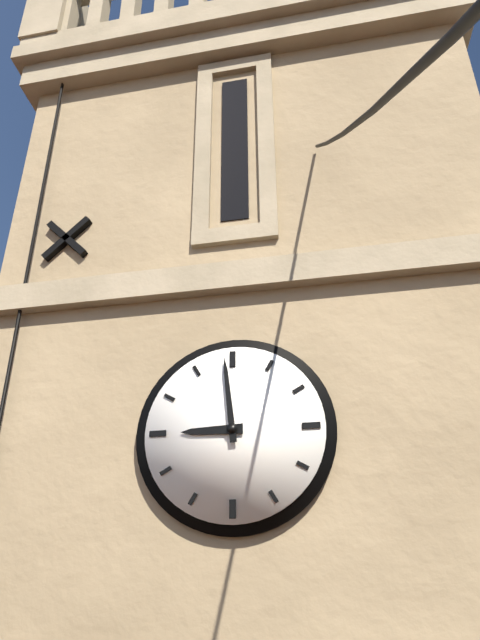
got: 8h59
